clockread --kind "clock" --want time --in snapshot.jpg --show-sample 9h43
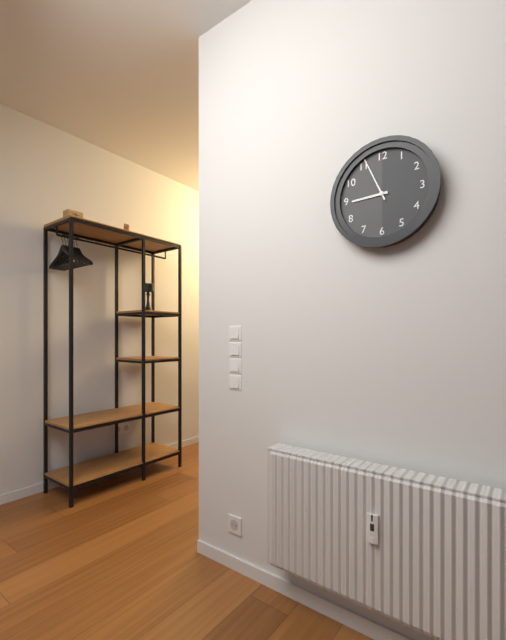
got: 8h56
